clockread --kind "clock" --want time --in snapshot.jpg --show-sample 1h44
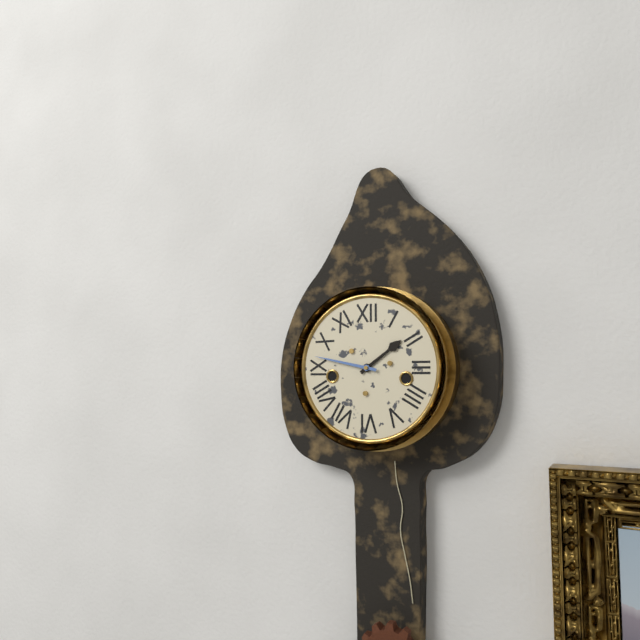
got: 1h47
